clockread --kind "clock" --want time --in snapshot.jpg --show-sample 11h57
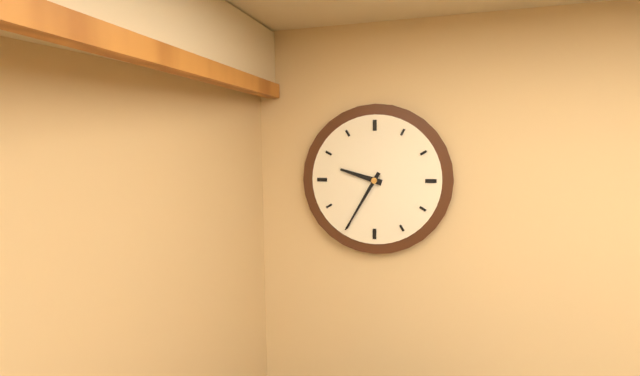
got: 9h35
